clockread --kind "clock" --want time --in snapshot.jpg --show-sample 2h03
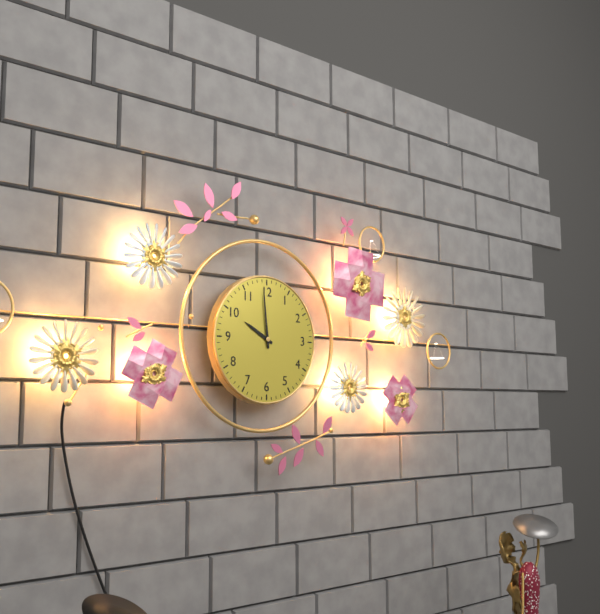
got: 9h59
